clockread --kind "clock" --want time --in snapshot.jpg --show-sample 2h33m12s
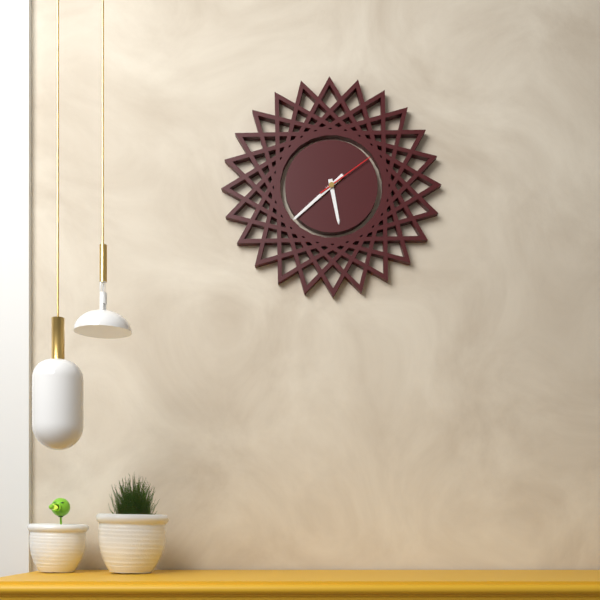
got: 5h38m09s
